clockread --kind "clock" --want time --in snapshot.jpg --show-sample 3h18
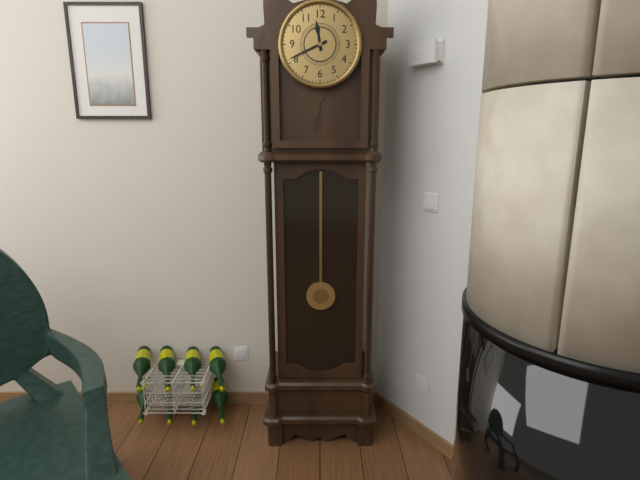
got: 11h41
